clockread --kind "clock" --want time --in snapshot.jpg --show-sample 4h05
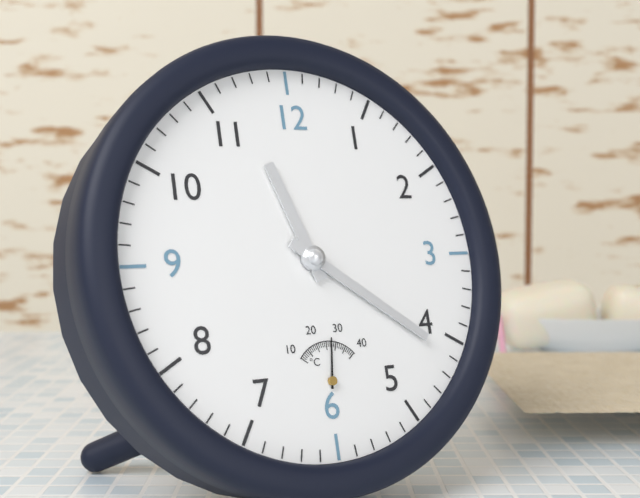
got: 11h21
